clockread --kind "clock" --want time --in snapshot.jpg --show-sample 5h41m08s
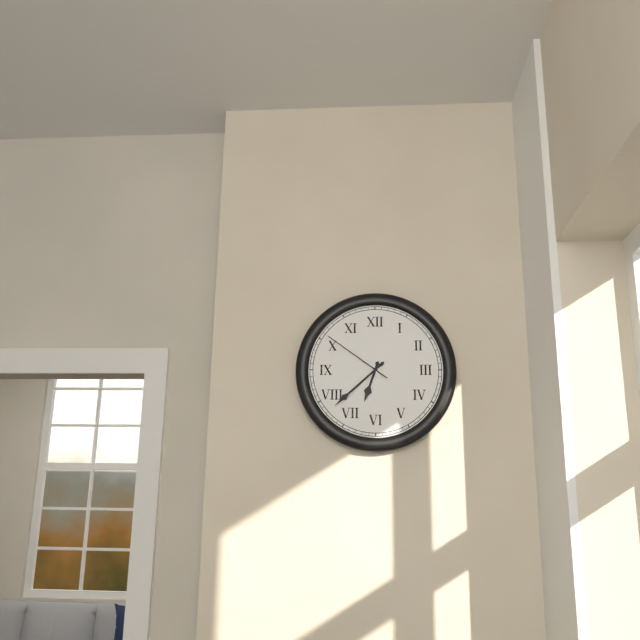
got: 6h38m51s
